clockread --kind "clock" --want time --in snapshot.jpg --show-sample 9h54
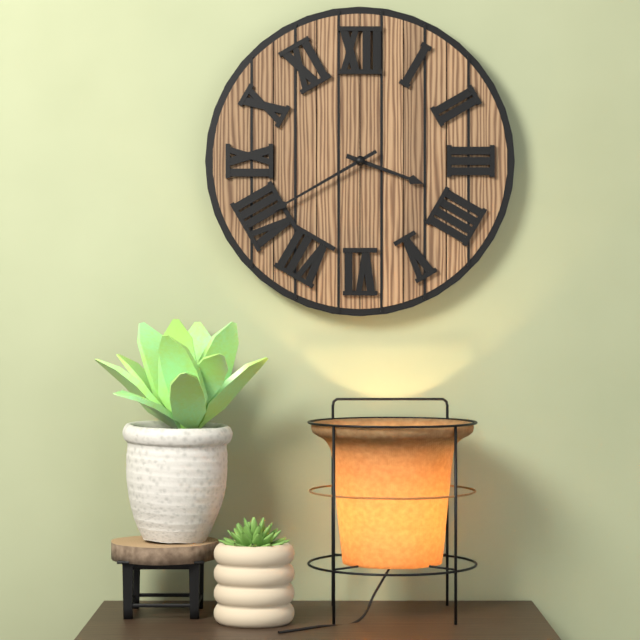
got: 3h40
